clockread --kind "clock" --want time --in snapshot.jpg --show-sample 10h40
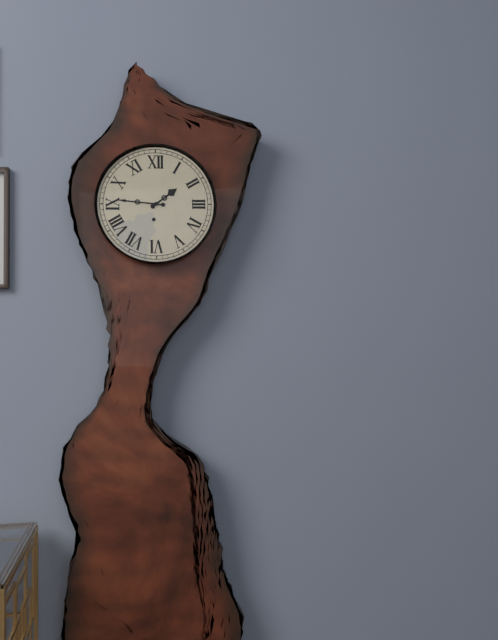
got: 1h46
